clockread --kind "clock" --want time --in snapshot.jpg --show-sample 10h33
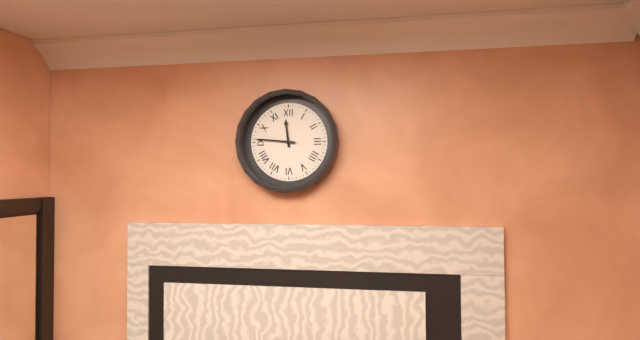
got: 11h46
